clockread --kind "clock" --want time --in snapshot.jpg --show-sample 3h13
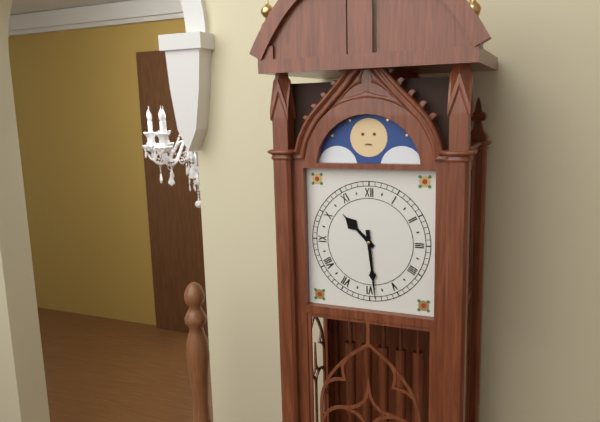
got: 10h29
